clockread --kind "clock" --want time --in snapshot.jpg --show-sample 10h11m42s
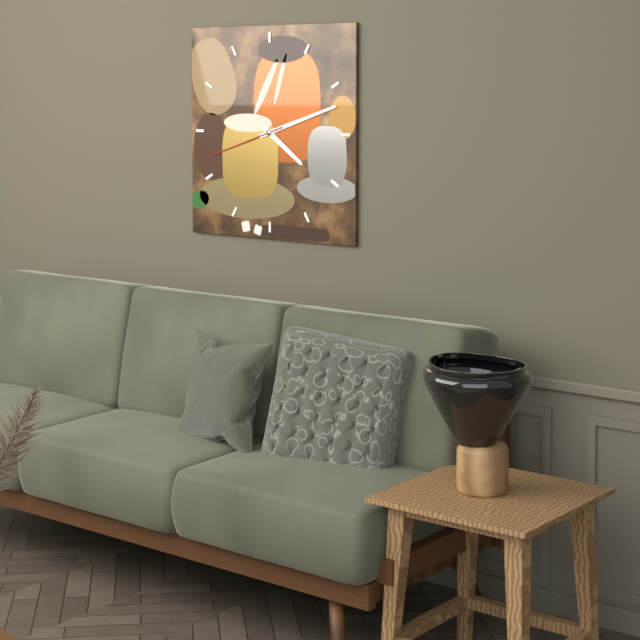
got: 4h12m42s
